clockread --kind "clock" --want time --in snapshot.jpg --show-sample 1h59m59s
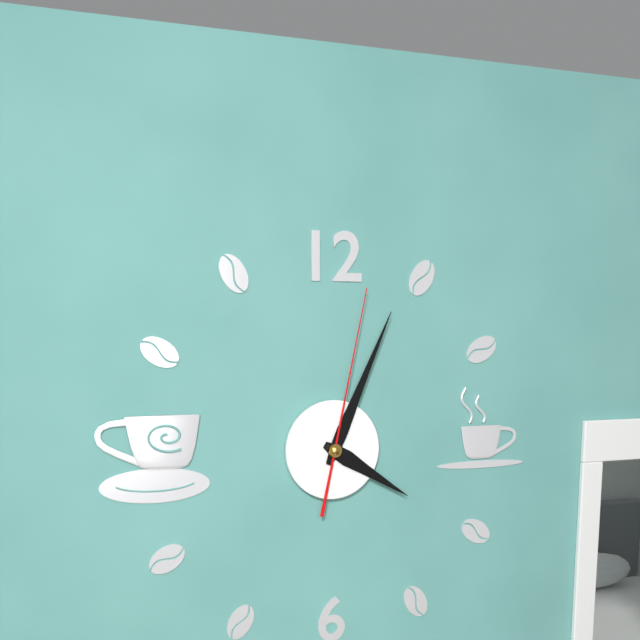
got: 4h04m02s
